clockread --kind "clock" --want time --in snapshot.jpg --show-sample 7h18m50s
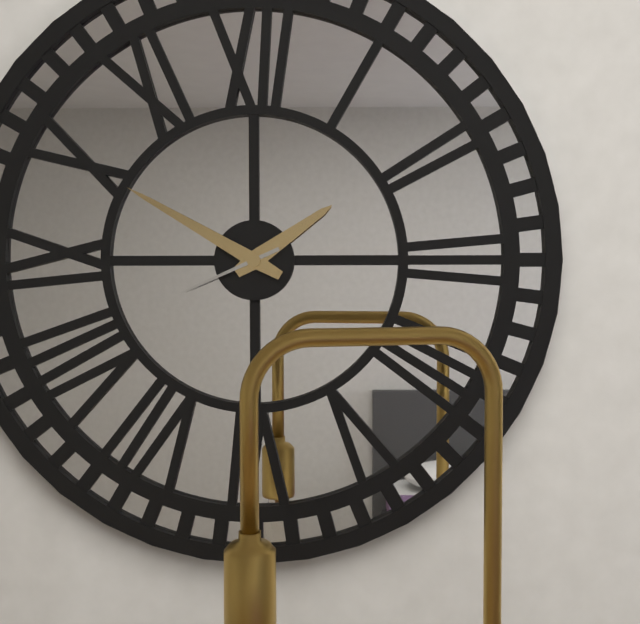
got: 1h50m41s
